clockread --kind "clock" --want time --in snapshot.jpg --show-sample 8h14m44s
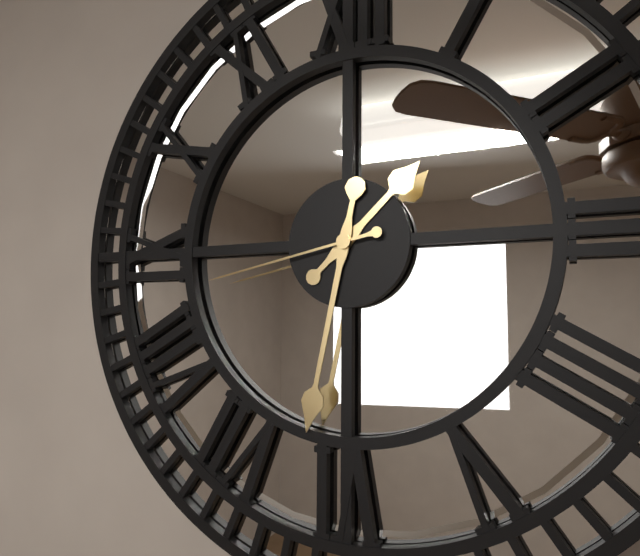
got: 1h32m43s
